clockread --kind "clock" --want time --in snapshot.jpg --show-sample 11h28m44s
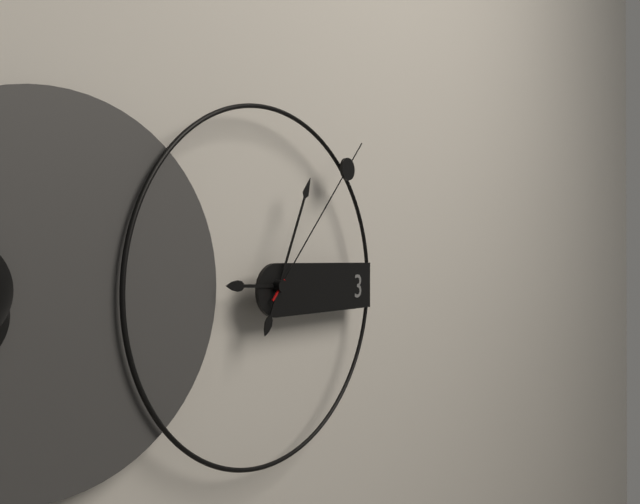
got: 9h04m07s
